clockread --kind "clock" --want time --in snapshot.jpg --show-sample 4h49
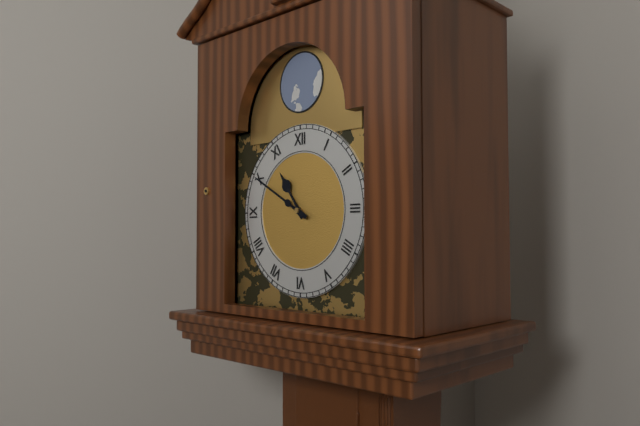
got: 10h50
